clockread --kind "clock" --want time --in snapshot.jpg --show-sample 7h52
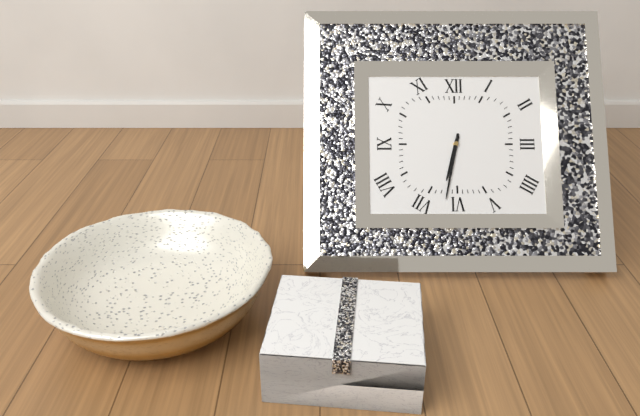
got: 6h32
